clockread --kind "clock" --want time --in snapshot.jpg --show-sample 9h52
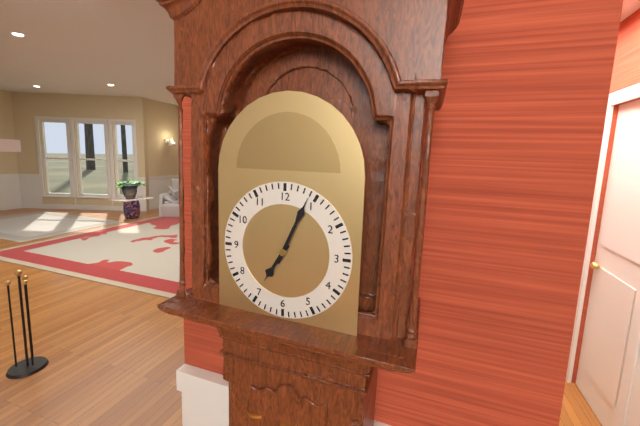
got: 7h04
